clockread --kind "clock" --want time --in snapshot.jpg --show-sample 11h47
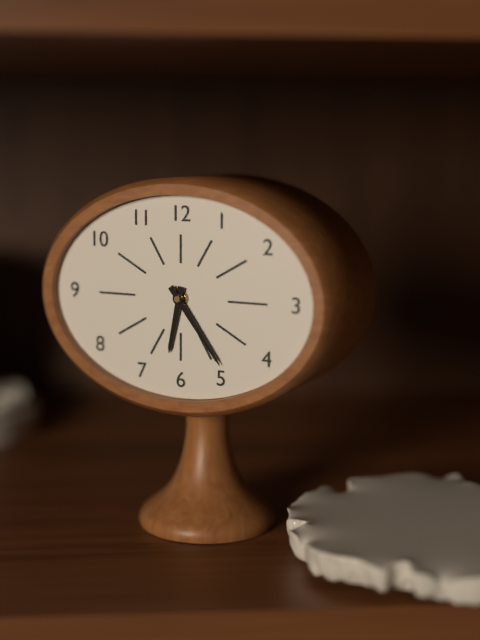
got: 6h24
